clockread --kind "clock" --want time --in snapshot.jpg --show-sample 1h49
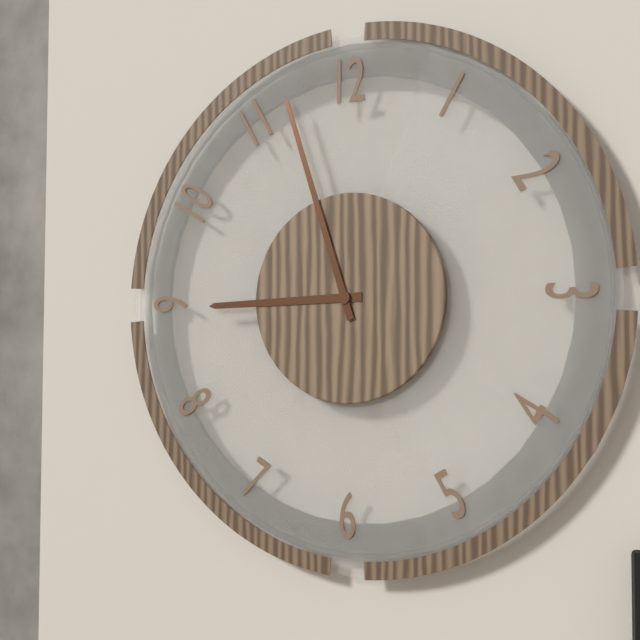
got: 8h57
